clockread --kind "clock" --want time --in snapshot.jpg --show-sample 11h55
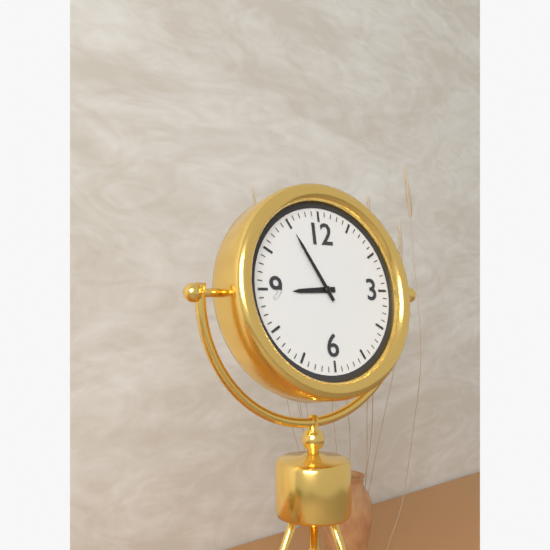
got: 8h55
